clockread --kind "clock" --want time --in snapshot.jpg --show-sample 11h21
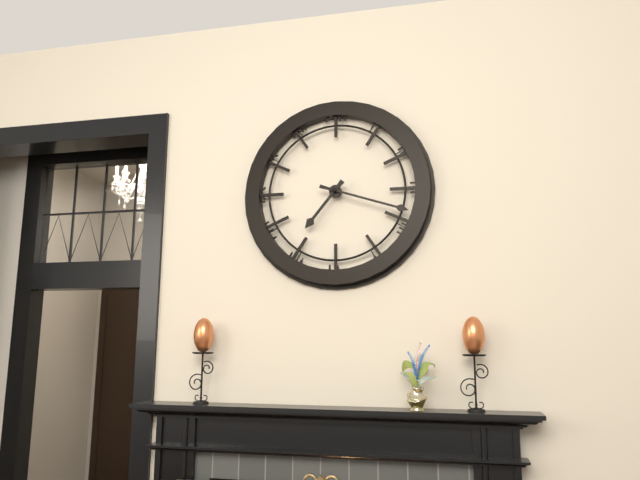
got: 7h18
